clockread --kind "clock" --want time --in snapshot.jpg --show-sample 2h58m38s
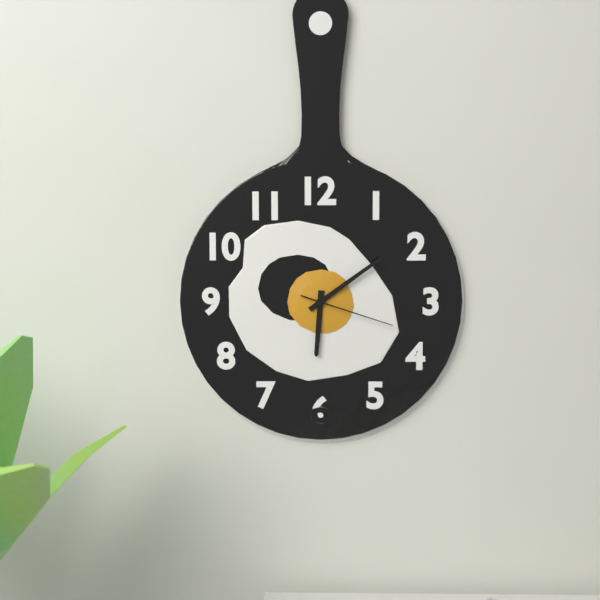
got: 6h09m18s
